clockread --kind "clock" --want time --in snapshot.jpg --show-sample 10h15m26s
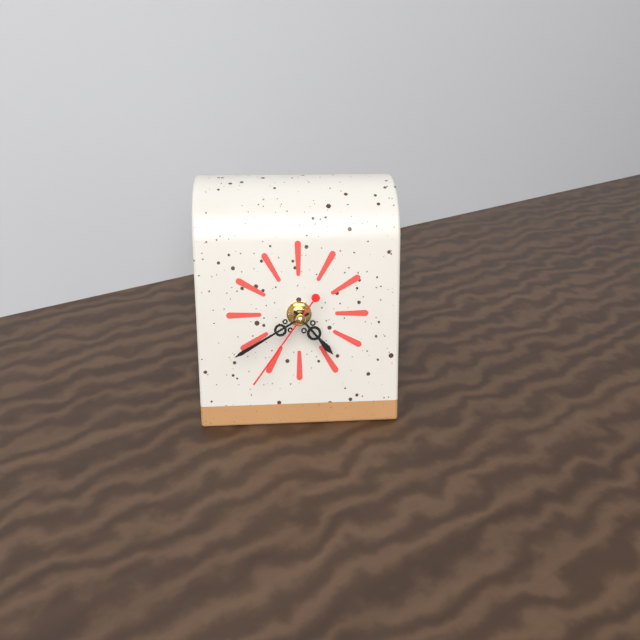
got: 4h40m36s
